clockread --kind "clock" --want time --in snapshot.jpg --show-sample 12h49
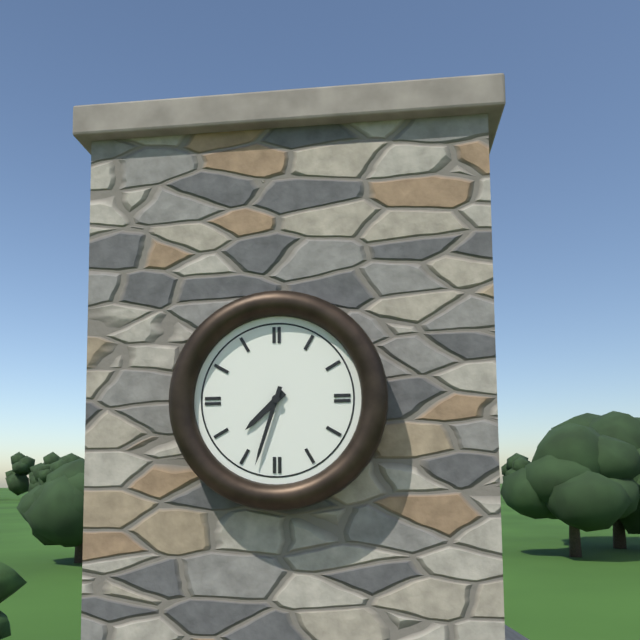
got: 7h33
